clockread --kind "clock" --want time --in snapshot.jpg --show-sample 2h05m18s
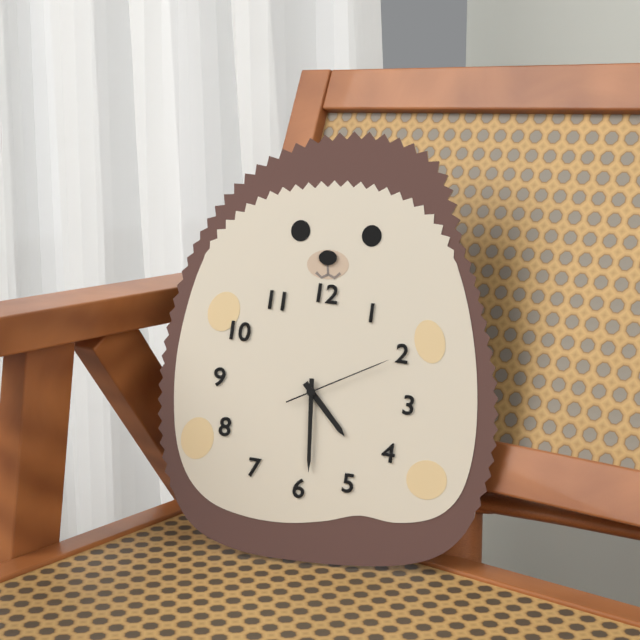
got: 4h29m10s
